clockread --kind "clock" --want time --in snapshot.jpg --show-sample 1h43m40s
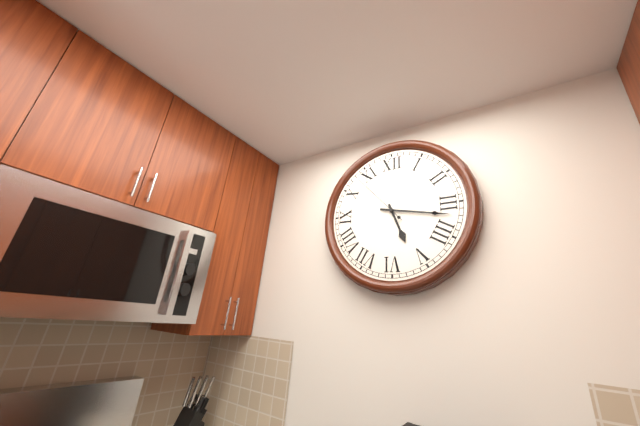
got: 5h17m53s
